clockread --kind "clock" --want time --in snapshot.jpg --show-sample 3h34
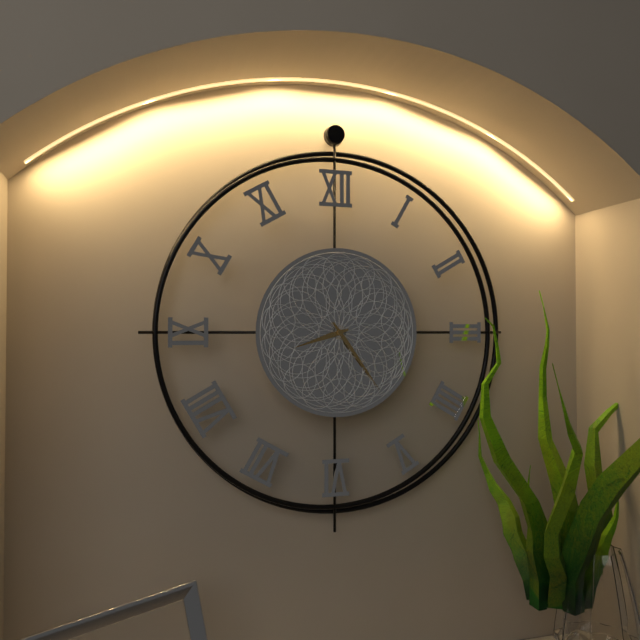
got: 8h24
